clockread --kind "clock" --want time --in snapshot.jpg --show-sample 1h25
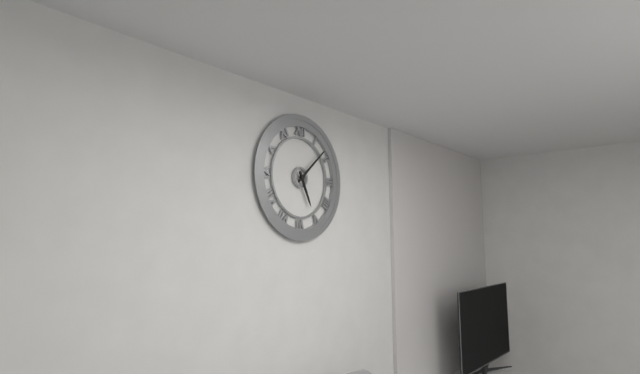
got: 5h08
